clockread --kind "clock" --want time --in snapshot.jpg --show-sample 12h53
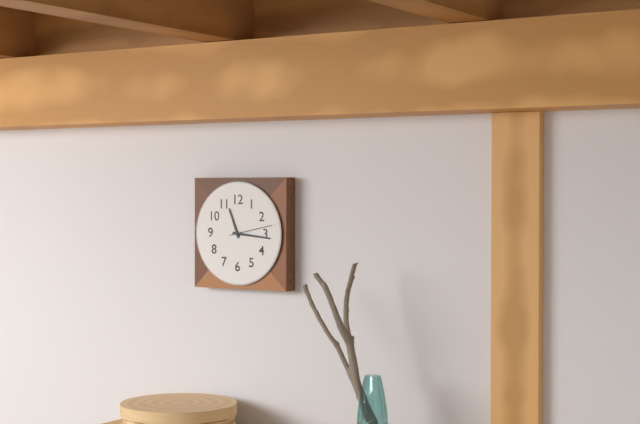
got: 11h16
